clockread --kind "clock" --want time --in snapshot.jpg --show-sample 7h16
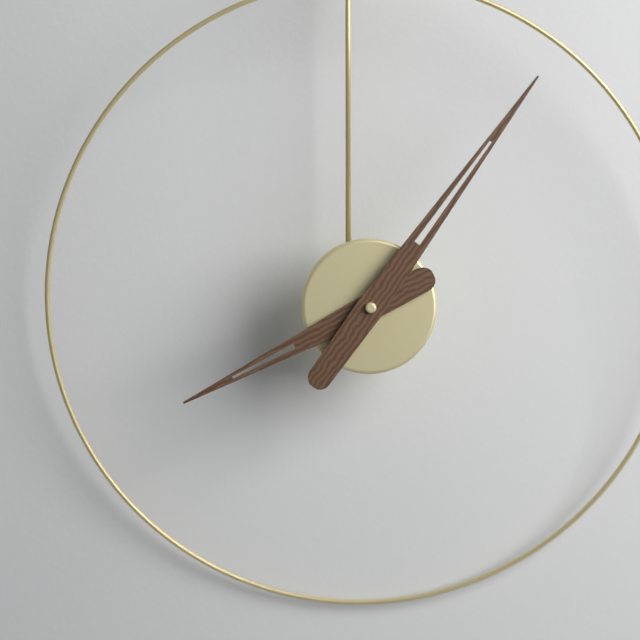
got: 8h06
